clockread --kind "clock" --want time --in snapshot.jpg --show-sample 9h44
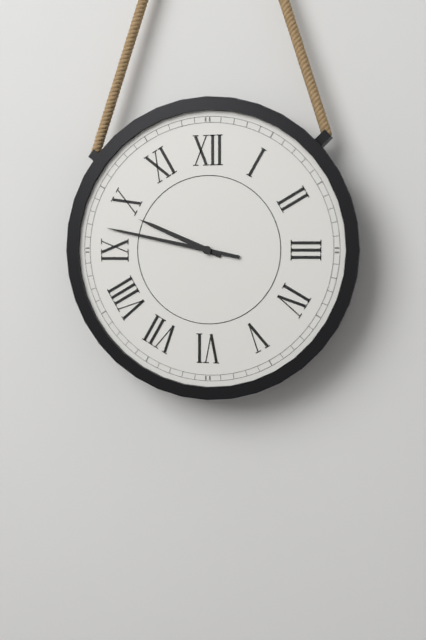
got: 9h47
